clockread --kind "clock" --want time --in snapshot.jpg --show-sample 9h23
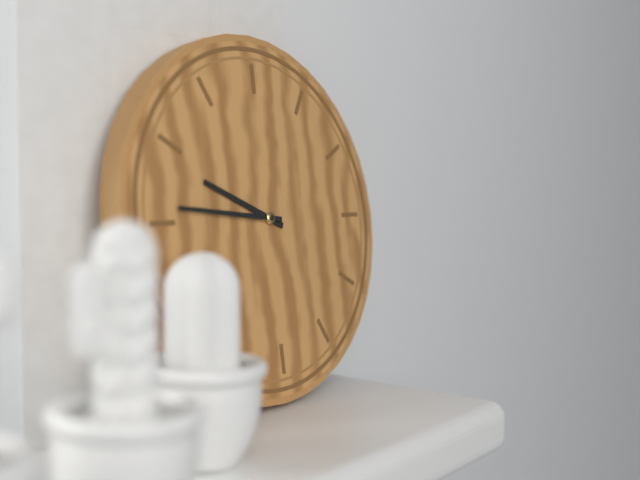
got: 9h46
